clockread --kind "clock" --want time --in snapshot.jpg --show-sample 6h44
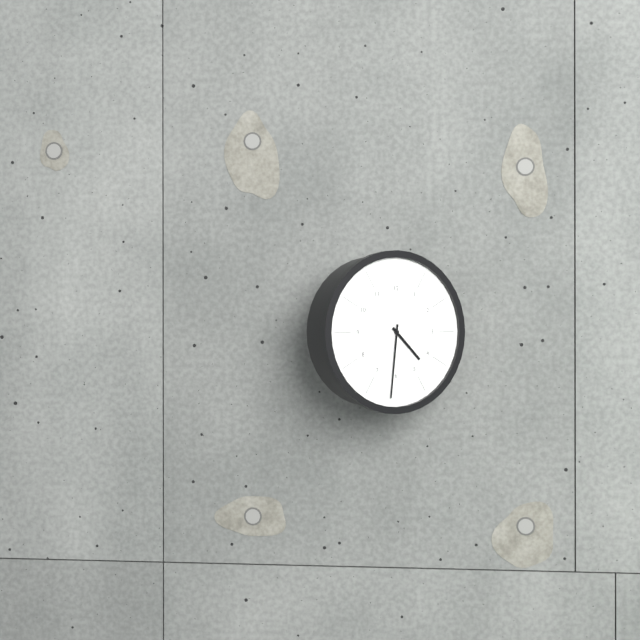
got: 4h31
